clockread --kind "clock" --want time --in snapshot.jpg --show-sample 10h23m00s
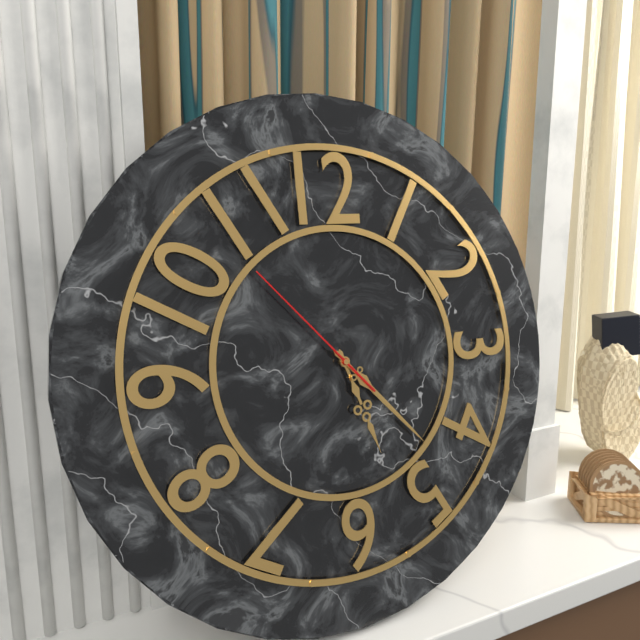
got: 5h23m53s
